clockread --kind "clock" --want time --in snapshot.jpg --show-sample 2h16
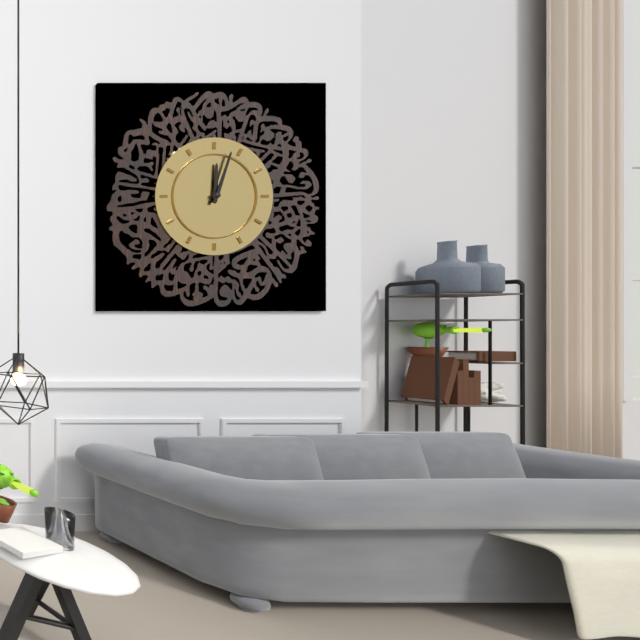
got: 12h03
